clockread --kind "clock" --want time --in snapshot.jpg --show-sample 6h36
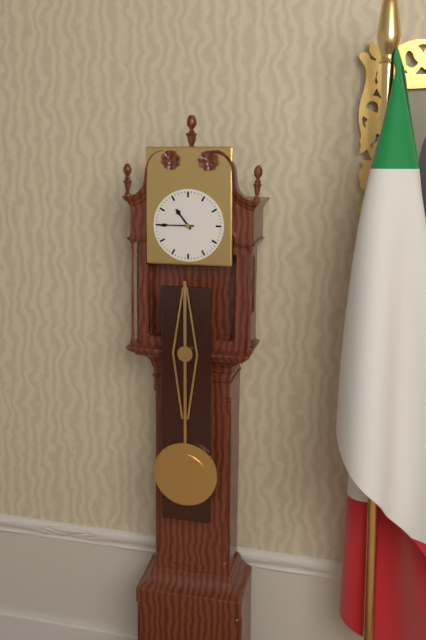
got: 10h45
